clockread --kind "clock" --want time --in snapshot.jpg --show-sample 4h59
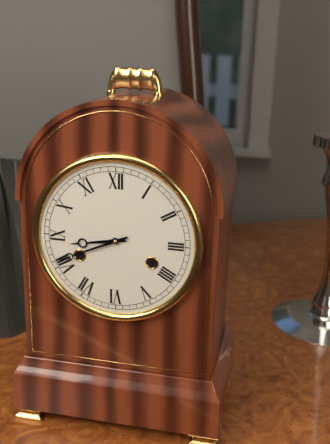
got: 8h41
